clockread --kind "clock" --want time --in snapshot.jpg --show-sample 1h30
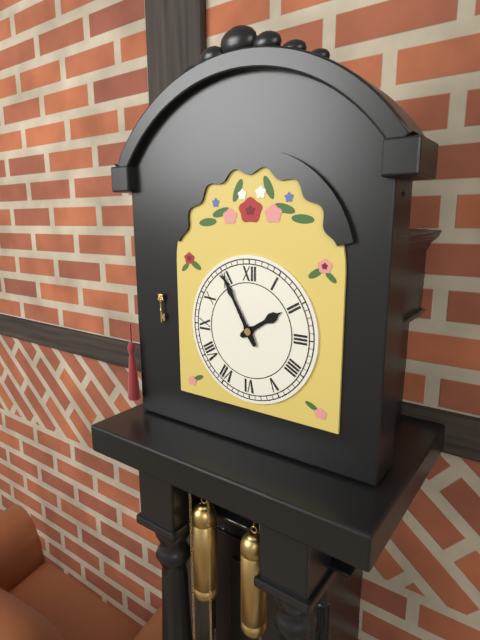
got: 1h55
